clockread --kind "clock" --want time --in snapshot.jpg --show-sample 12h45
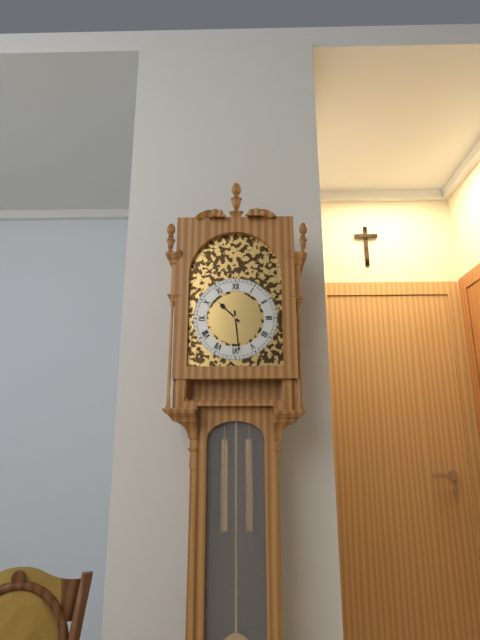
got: 10h29
